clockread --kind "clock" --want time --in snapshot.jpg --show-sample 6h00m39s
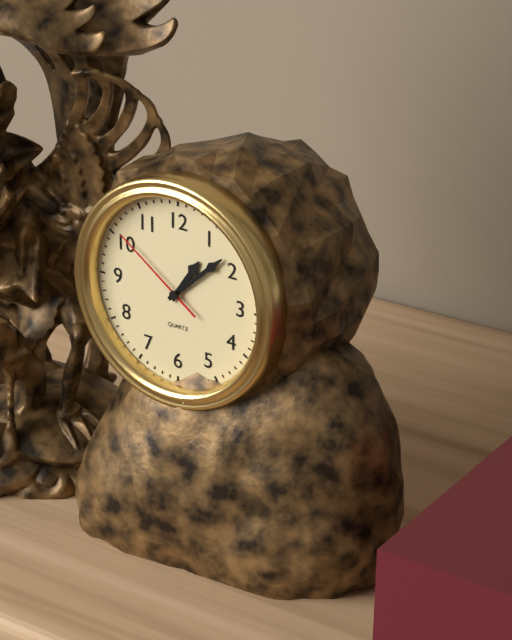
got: 1h08m51s
